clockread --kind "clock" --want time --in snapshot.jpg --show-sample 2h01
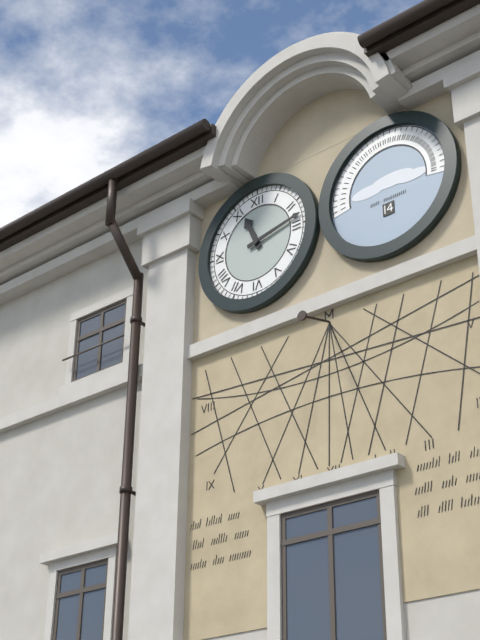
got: 11h13
